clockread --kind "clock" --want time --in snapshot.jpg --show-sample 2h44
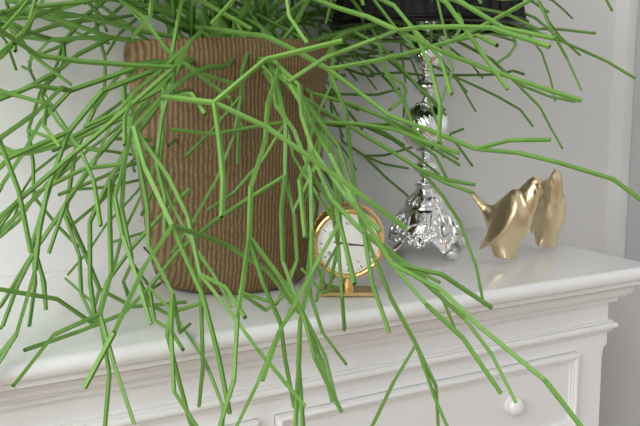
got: 9h16
